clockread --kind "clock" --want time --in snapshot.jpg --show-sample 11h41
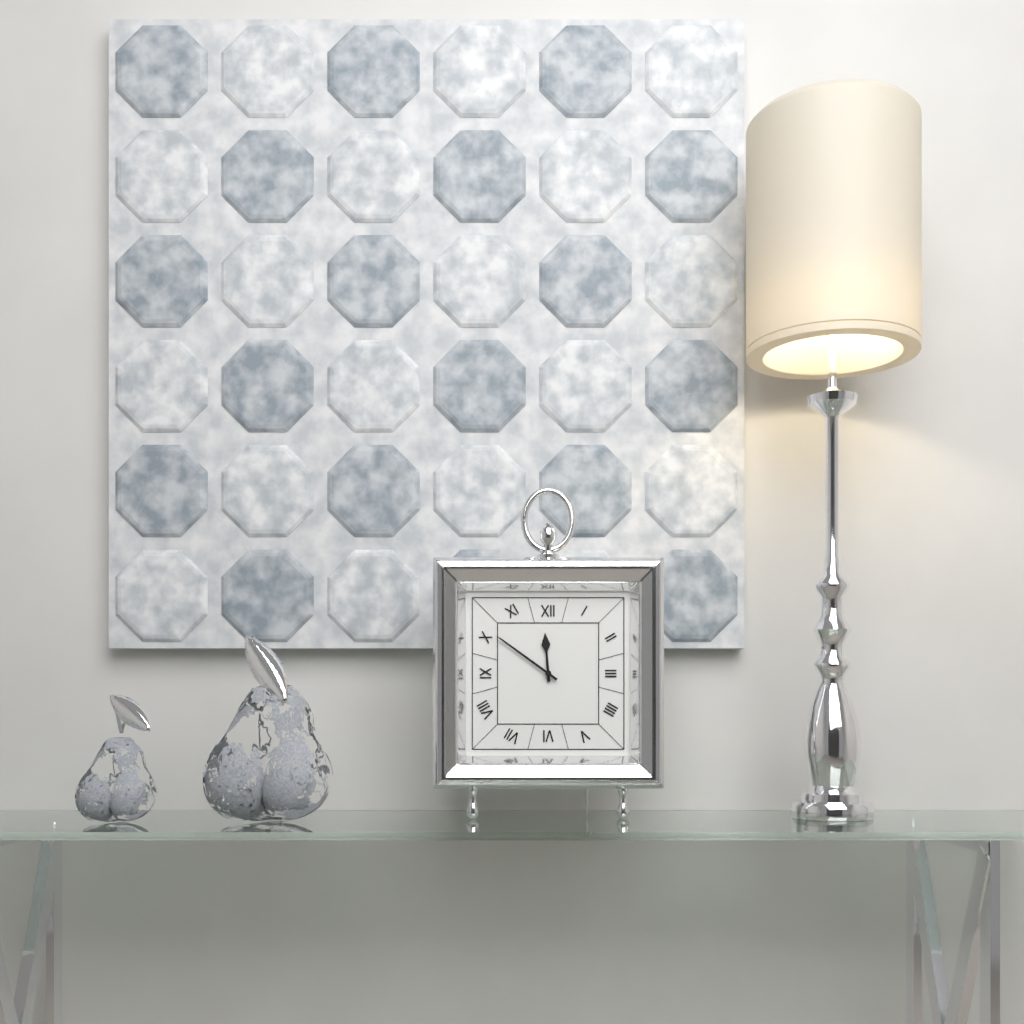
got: 11h51
